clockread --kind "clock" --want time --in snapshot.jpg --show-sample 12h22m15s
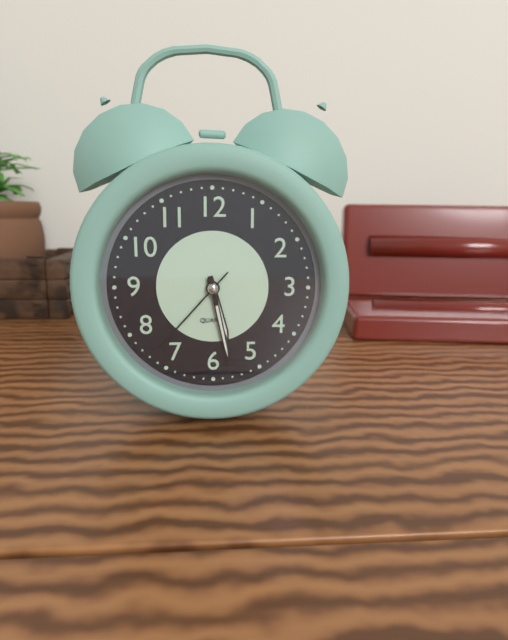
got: 5h28m37s
